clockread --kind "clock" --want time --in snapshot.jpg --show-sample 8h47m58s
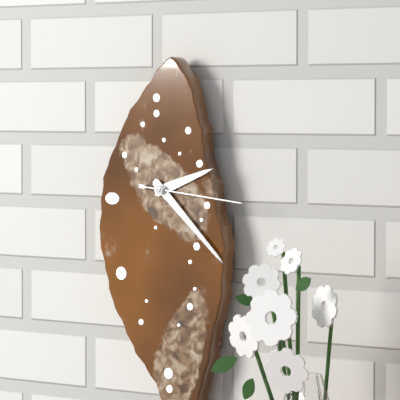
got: 2h22m16s
